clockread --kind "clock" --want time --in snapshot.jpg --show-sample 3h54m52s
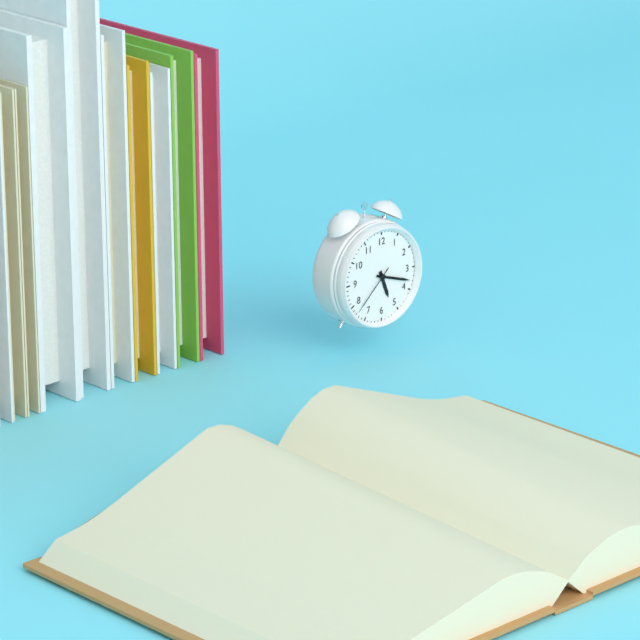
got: 5h18m38s
